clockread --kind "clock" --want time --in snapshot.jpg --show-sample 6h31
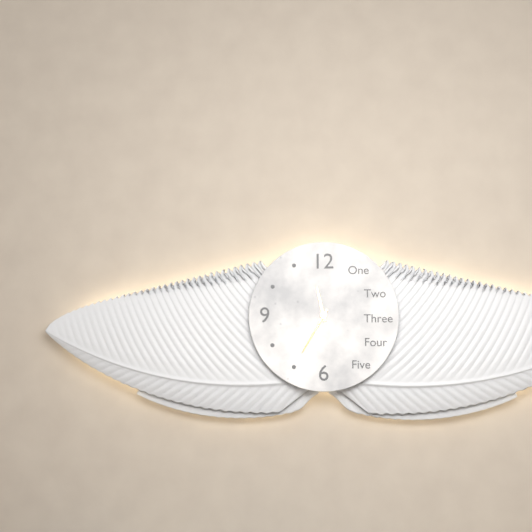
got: 11h35
